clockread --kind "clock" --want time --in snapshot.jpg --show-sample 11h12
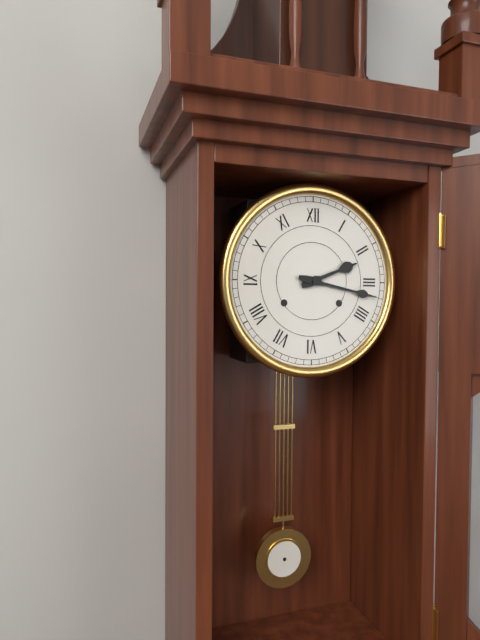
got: 2h17
